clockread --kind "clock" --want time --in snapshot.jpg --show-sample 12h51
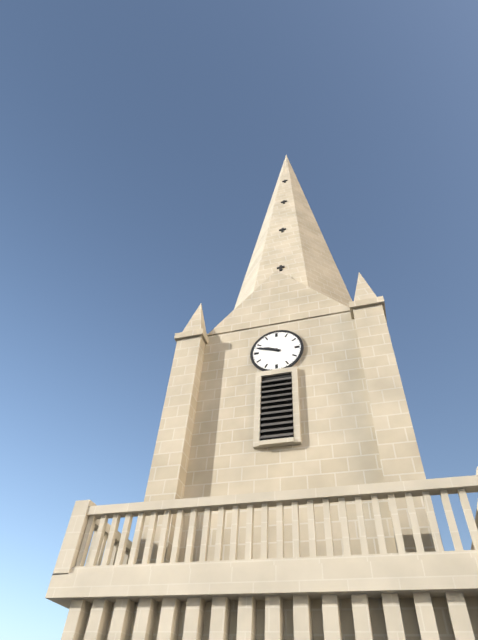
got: 9h48
